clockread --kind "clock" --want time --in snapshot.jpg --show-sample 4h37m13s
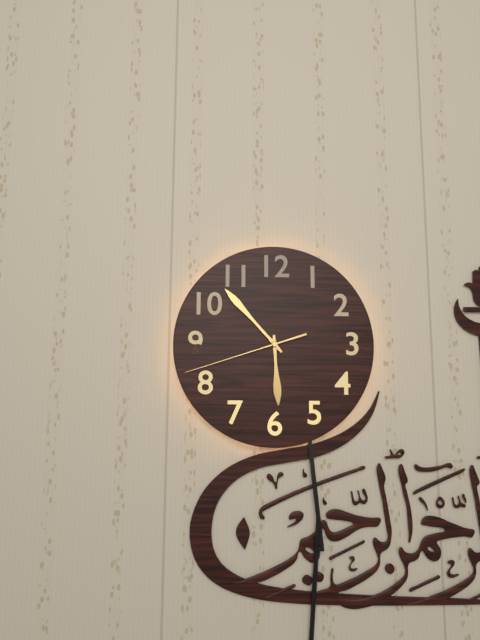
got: 5h53m42s
